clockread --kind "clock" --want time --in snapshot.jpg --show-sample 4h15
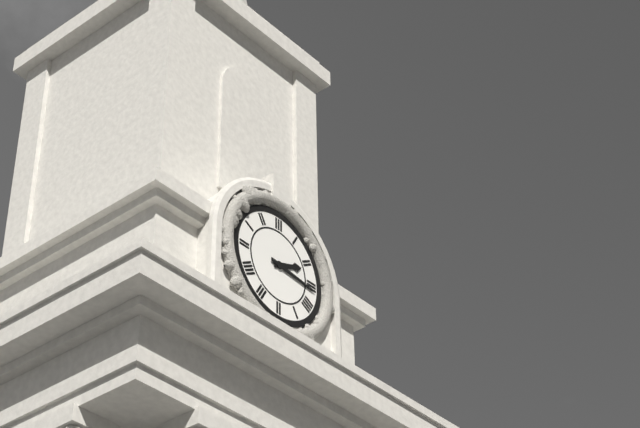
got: 2h16
